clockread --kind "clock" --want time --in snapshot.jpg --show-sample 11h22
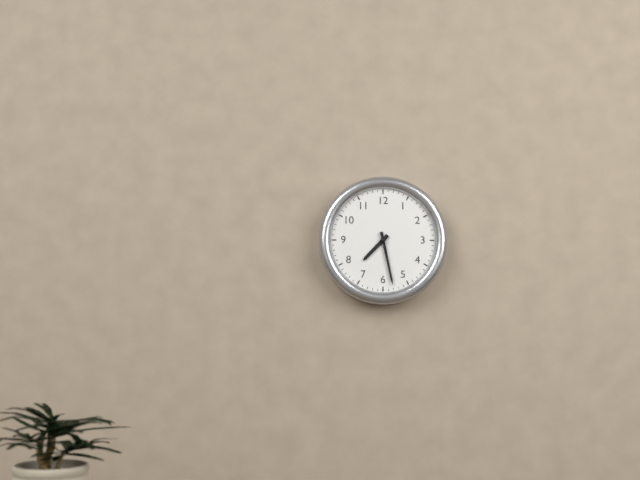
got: 7h28
